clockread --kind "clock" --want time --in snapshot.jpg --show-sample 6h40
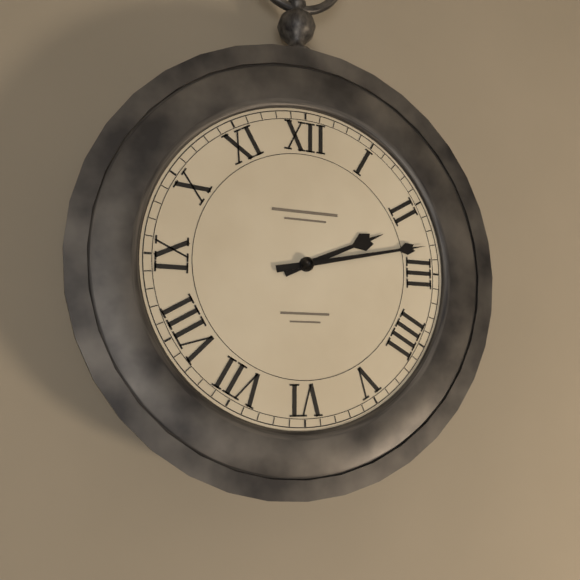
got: 2h13
